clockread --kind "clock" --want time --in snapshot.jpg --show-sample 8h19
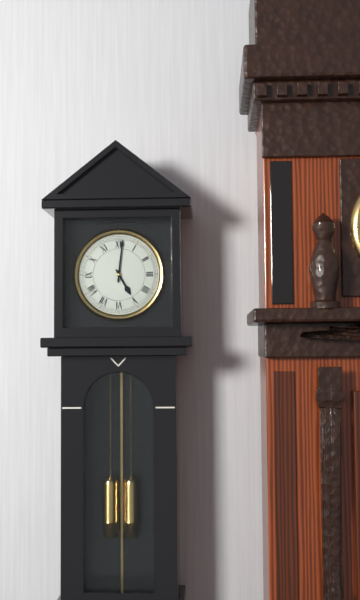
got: 5h01
